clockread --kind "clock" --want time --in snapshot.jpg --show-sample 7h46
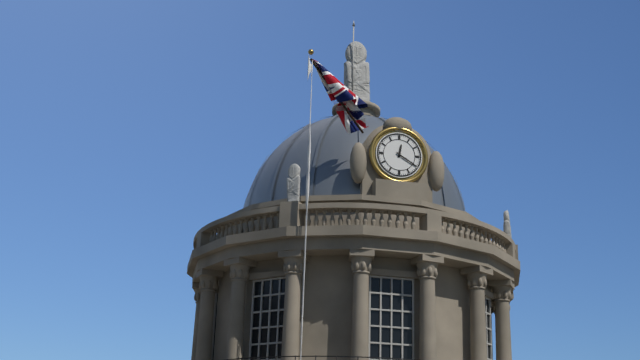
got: 12h20
